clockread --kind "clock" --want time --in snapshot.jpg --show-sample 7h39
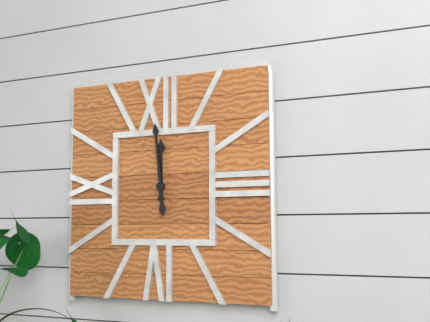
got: 11h59
